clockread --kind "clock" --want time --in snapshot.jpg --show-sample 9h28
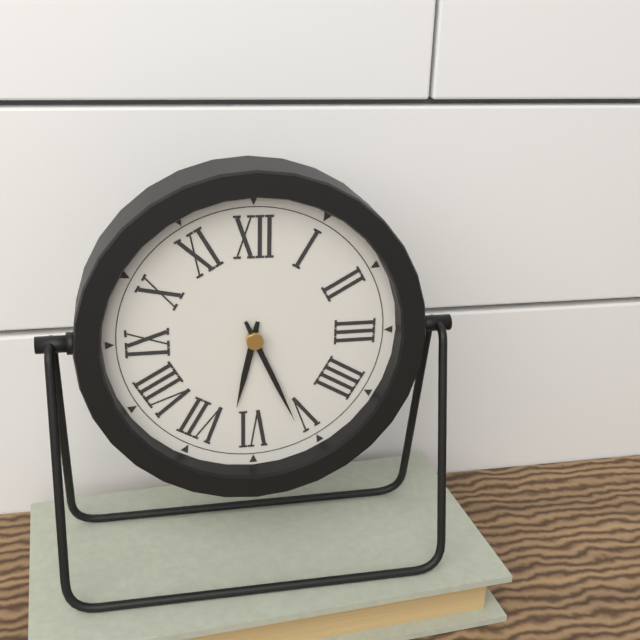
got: 6h26
